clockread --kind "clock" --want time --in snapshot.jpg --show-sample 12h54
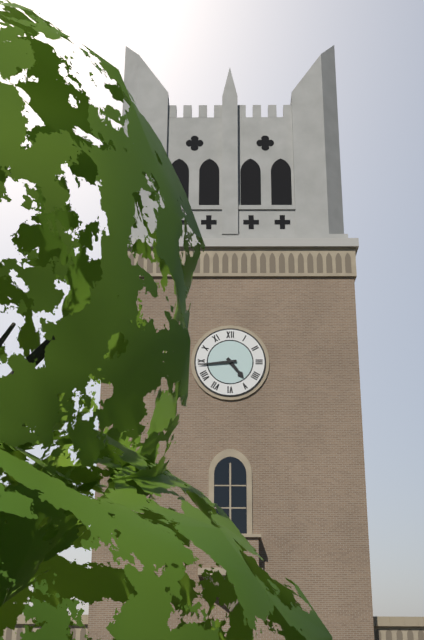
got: 4h44
